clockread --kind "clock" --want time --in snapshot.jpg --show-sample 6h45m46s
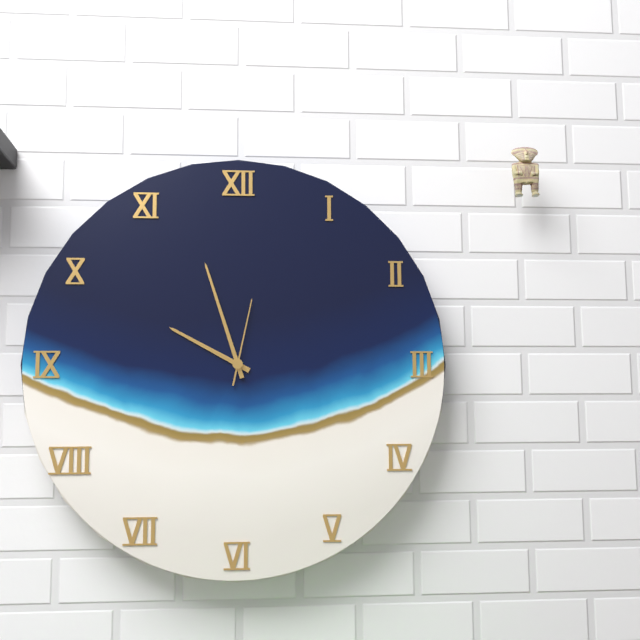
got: 9h57m02s
